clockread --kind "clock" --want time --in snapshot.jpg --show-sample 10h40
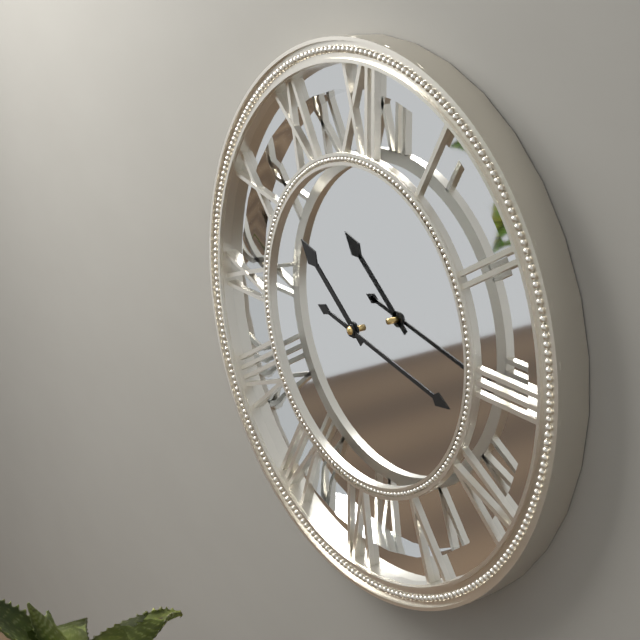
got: 10h17
